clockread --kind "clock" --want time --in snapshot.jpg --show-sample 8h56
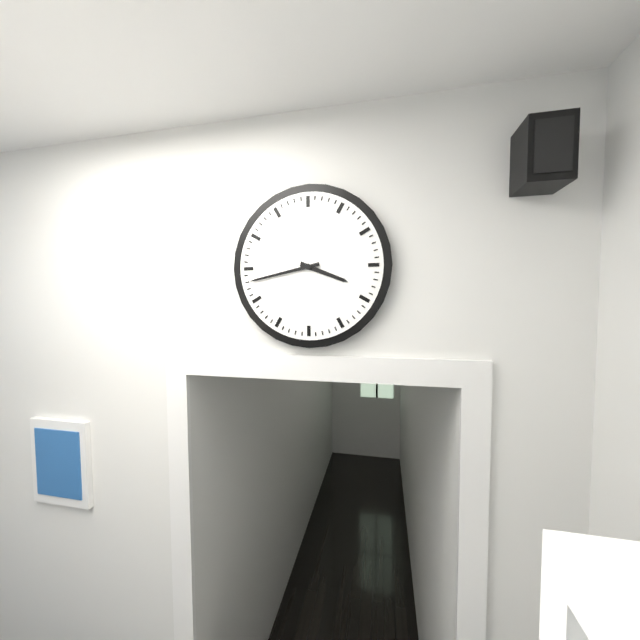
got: 3h43
